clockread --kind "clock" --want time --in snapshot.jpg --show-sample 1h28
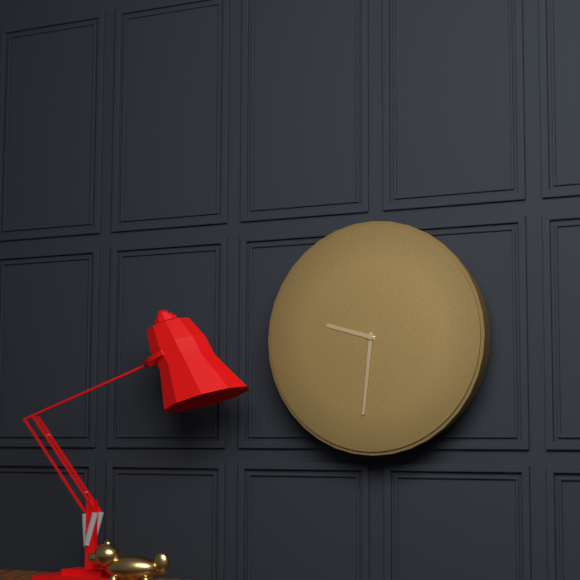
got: 9h31
